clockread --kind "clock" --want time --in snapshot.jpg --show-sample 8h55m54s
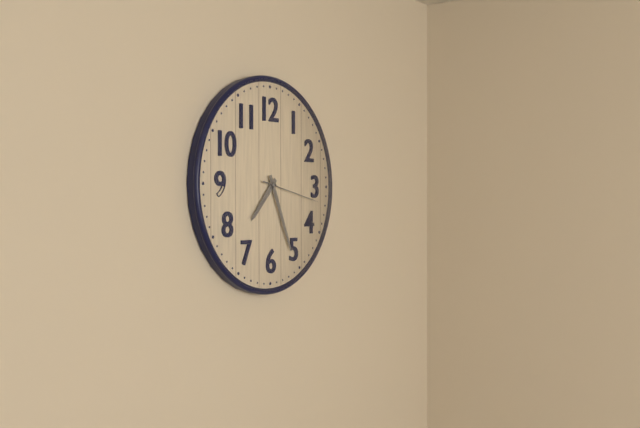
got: 7h26m17s
